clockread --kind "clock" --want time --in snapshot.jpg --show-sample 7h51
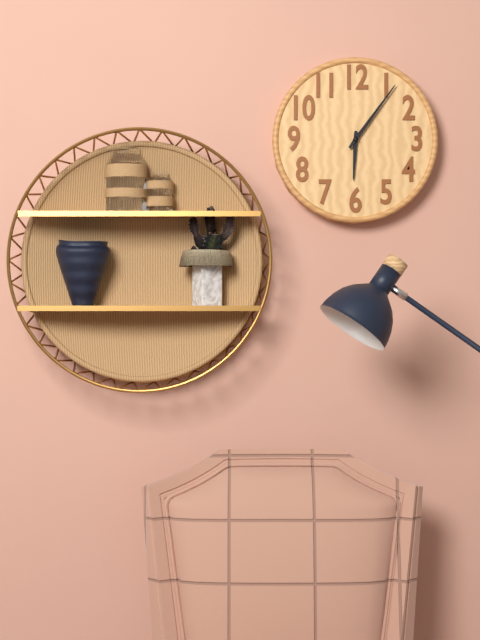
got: 6h06
